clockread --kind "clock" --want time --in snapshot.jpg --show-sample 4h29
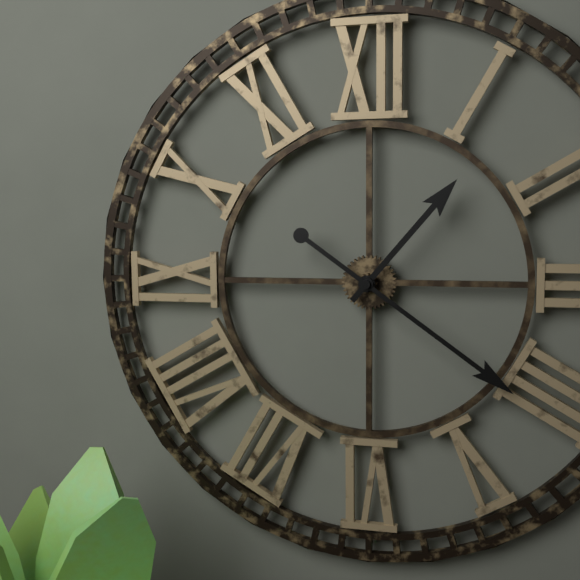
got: 1h21
